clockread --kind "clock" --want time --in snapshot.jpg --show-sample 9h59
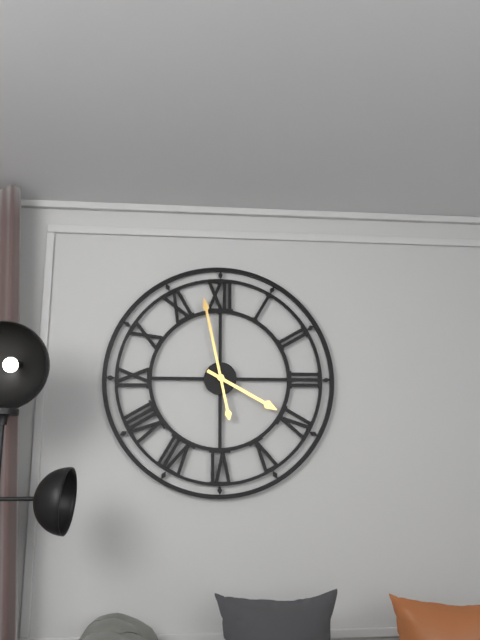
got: 3h58
